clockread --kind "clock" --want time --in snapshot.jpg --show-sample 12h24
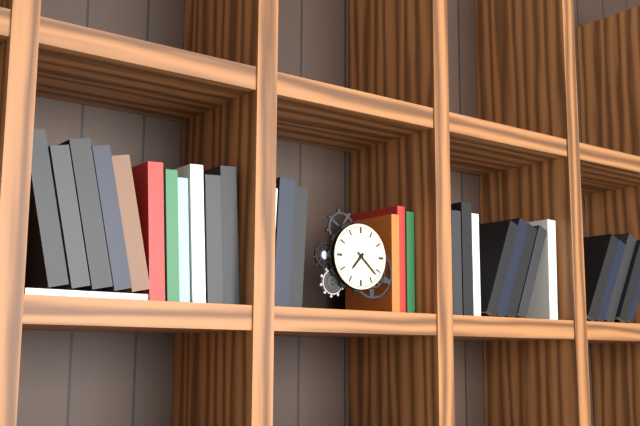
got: 7h22
